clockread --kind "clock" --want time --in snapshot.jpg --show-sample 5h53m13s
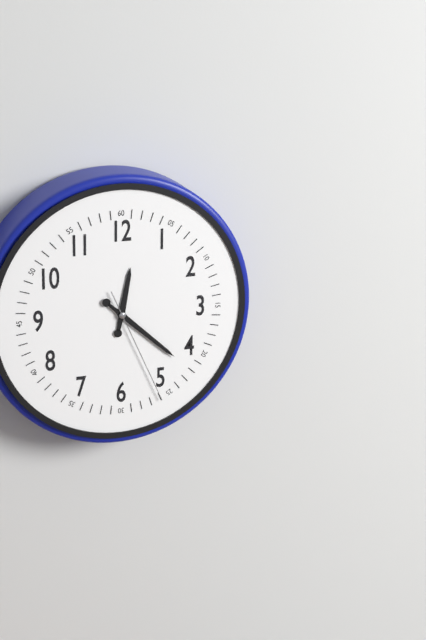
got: 12h22m26s
